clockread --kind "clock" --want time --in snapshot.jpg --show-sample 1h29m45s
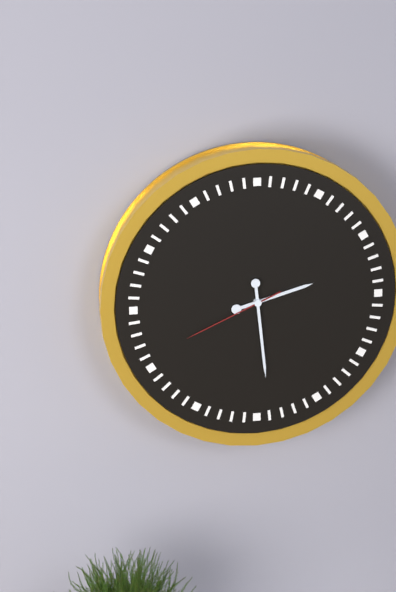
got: 2h29m41s
